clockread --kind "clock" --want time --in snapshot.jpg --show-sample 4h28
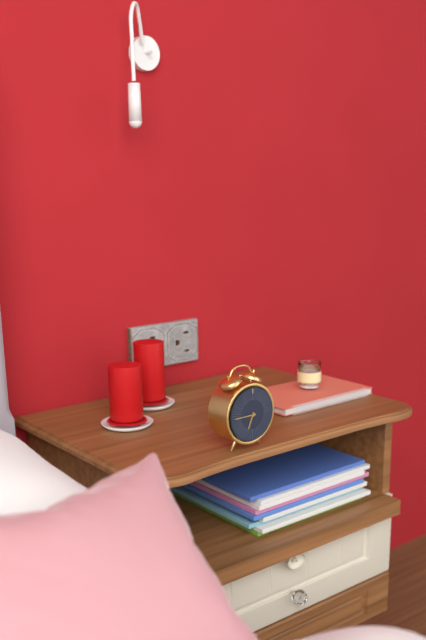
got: 6h45
